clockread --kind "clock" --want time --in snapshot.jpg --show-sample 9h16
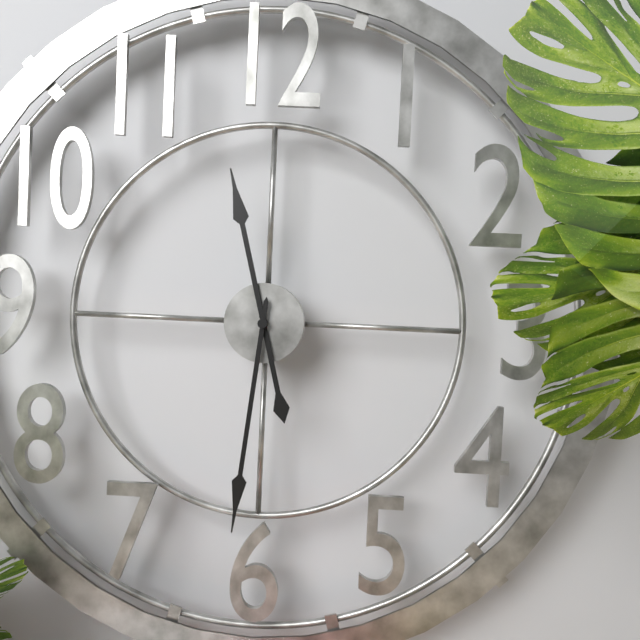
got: 11h31
